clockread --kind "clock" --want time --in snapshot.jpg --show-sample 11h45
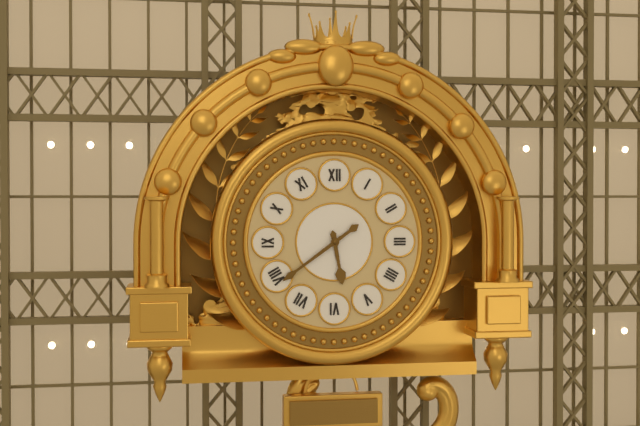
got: 5h39
